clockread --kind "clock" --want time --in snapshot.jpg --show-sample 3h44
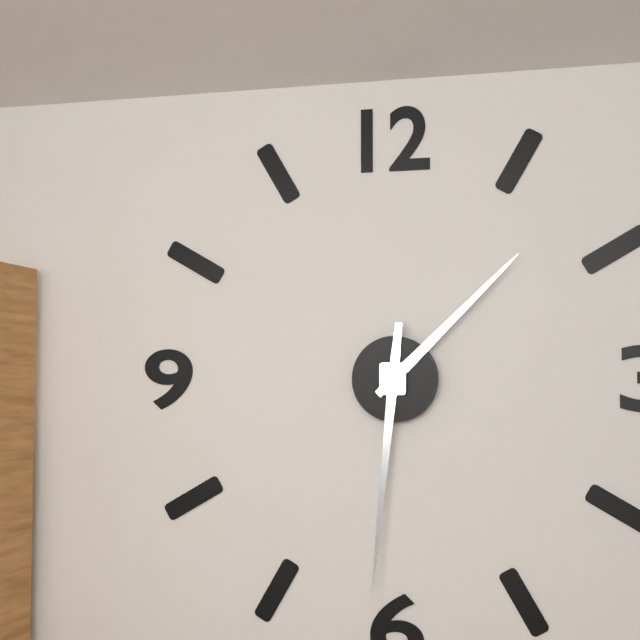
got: 1h31
